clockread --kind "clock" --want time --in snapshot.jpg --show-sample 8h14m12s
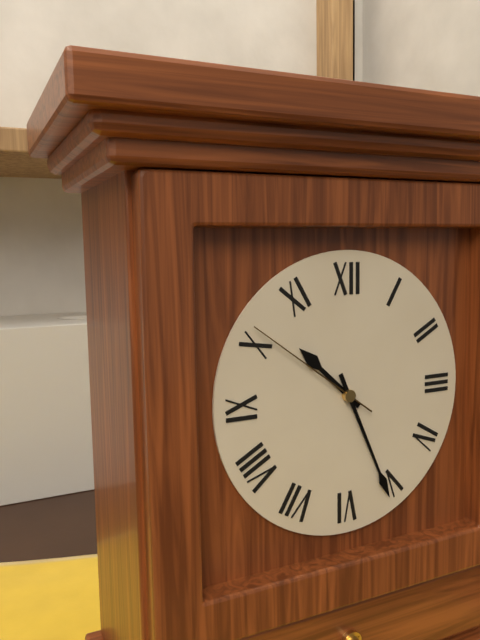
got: 10h26m51s
